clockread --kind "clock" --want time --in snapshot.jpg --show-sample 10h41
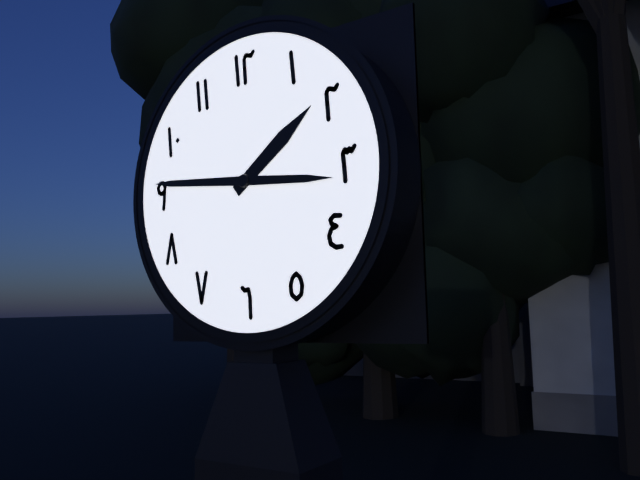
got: 1h46
